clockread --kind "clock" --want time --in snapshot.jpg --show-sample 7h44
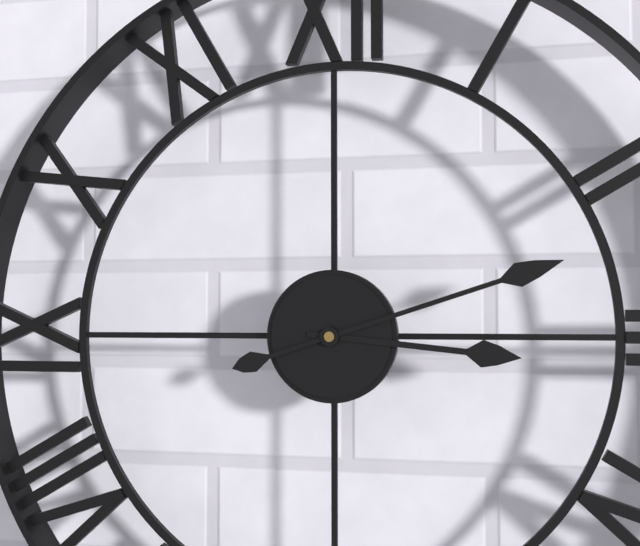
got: 3h12
